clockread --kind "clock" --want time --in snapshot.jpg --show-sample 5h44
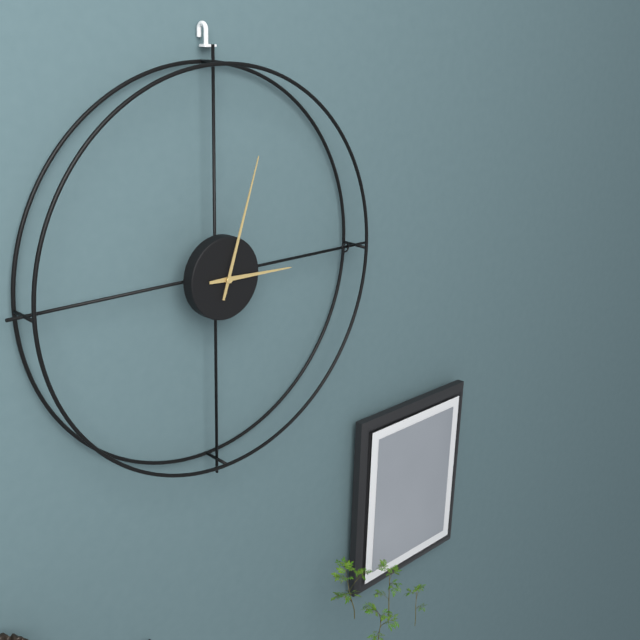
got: 3h03
